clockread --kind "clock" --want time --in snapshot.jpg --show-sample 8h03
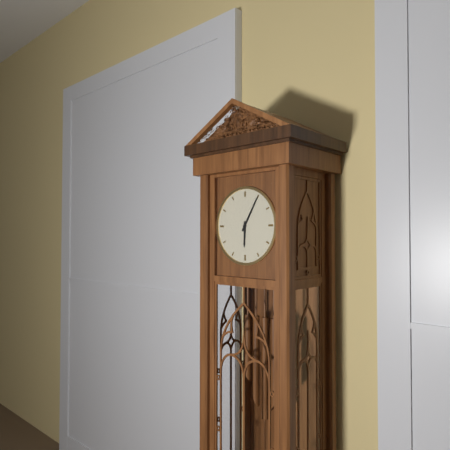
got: 6h05
